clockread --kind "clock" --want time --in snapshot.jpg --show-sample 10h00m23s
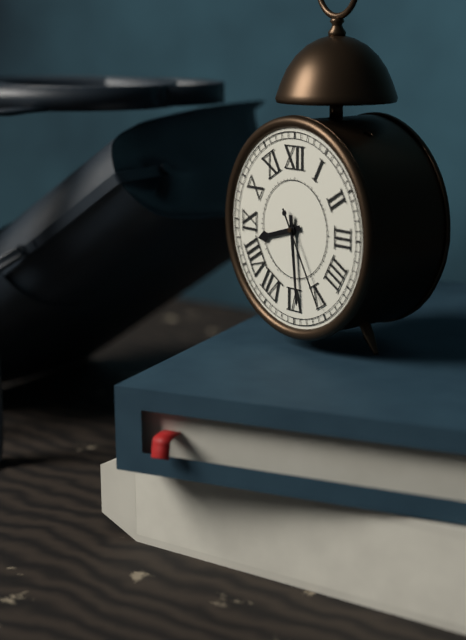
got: 8h29m25s
